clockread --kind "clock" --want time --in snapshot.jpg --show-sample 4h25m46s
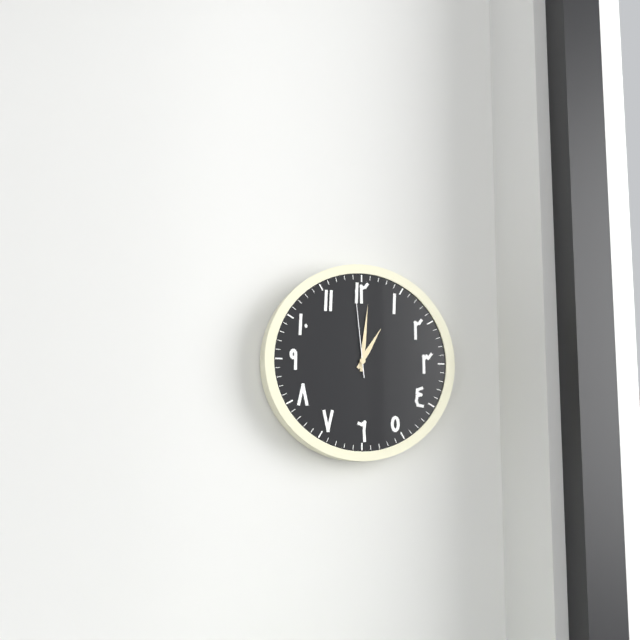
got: 1h01m59s
